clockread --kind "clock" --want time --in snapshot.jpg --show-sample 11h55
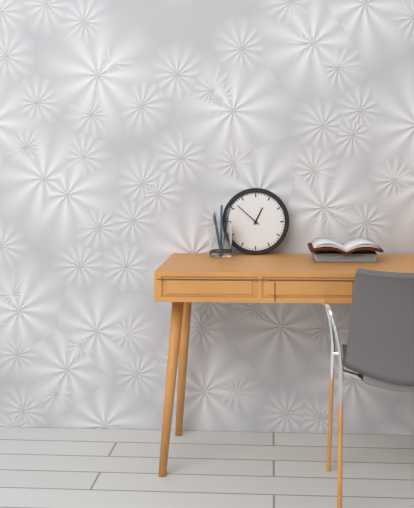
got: 12h52
